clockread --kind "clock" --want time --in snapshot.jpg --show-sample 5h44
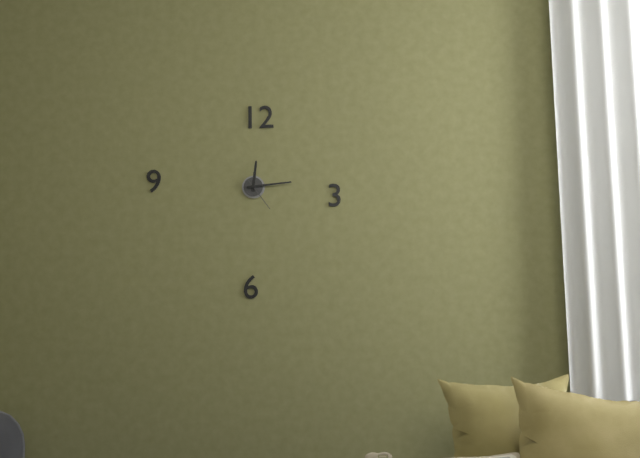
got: 12h14
